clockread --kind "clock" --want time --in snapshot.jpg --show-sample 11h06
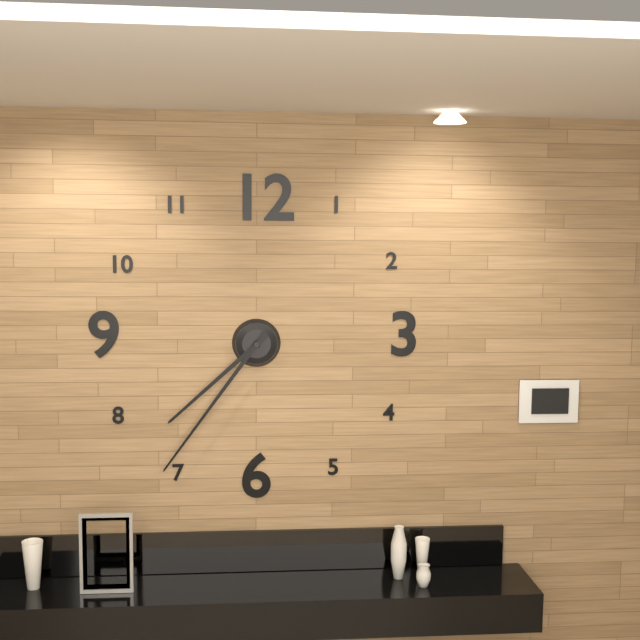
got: 7h36
